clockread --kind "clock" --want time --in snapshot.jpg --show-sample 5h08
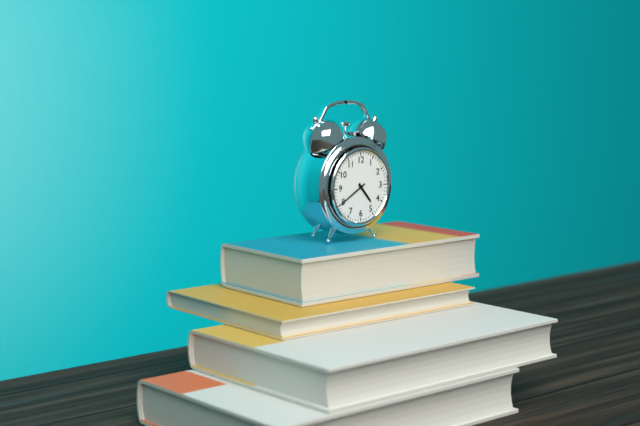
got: 4h40
